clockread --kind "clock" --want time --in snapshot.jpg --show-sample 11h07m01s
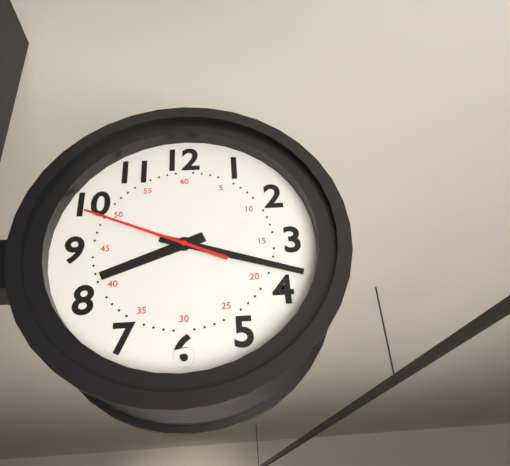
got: 8h18m49s
